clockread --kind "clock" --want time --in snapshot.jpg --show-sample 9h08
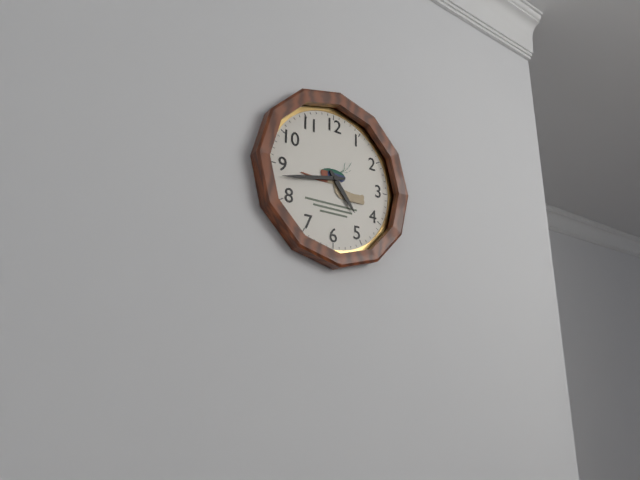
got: 4h43
